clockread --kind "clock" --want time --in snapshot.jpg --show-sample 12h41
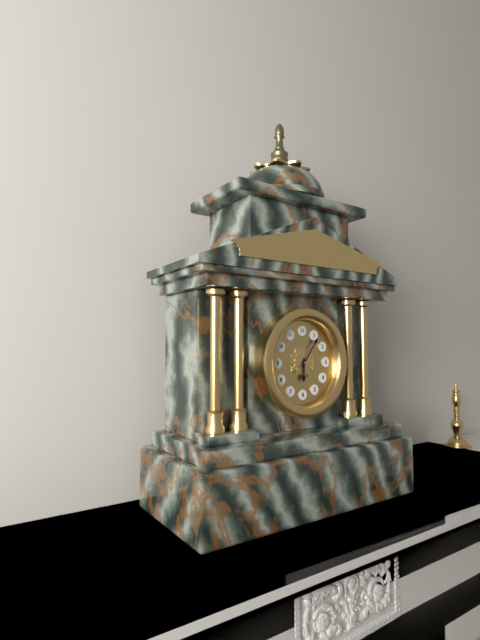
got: 6h06
